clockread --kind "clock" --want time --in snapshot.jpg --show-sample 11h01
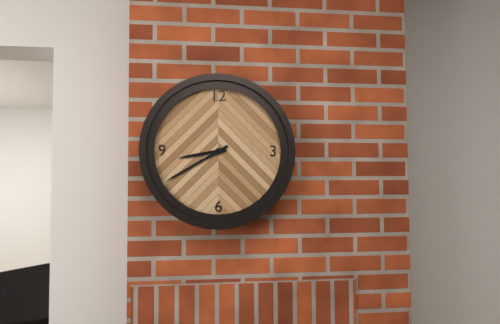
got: 8h40
